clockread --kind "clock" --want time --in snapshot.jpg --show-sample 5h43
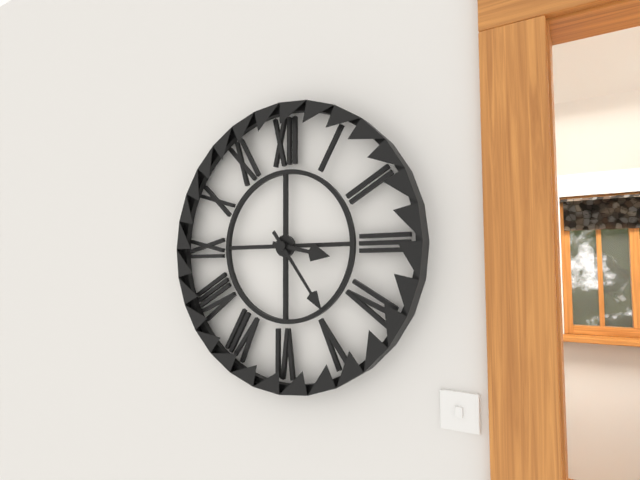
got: 3h24
